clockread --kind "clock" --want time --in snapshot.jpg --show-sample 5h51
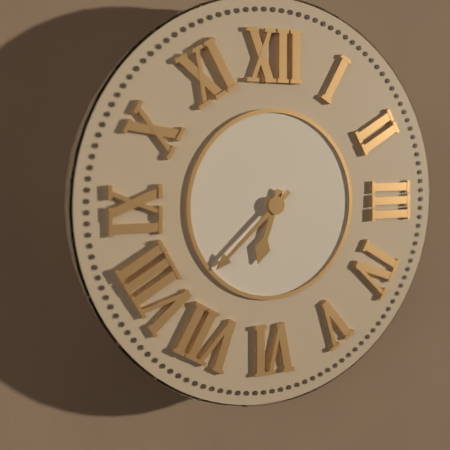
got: 6h38
